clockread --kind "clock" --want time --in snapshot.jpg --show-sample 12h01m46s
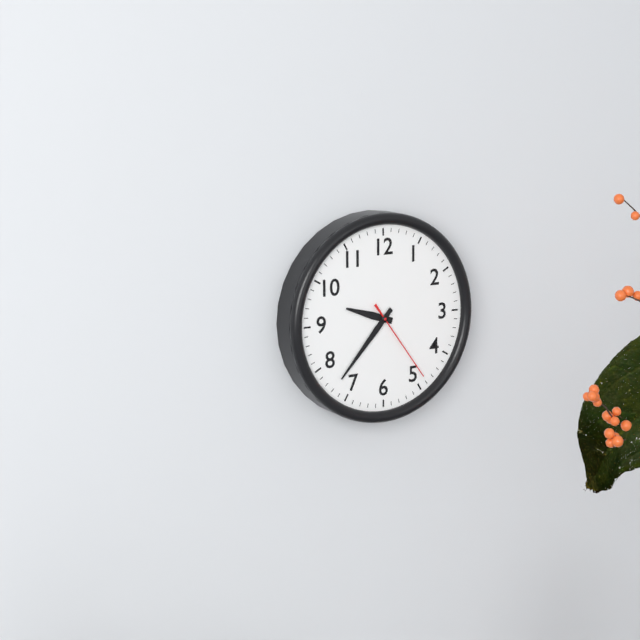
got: 9h37m24s
